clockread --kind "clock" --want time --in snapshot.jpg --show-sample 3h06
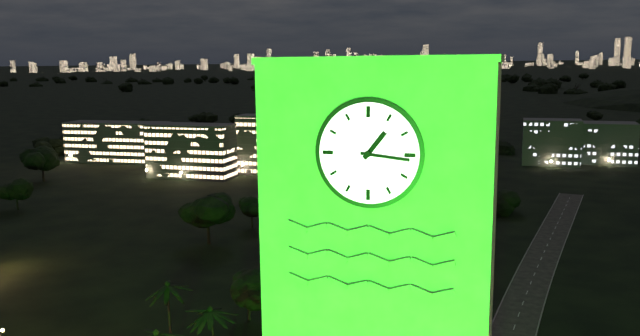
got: 1h16
